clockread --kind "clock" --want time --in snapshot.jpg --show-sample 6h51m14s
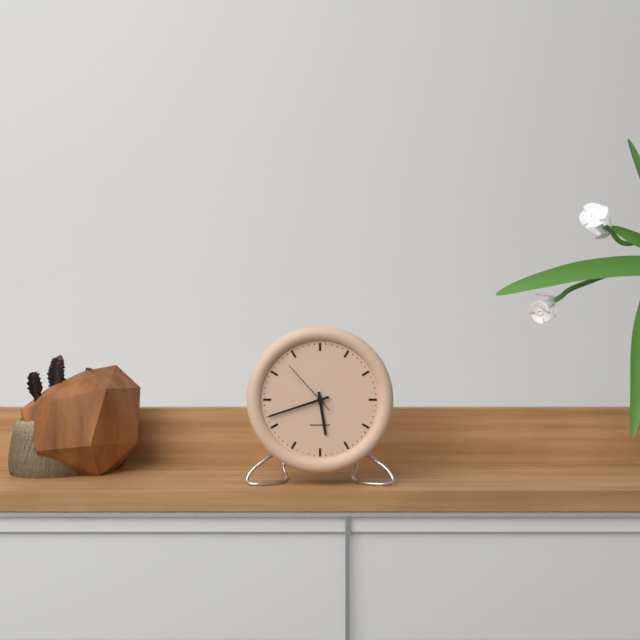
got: 5h42m53s
